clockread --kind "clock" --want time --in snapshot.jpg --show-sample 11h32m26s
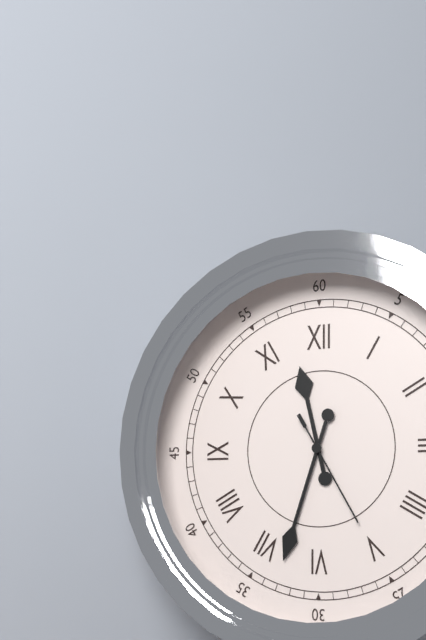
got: 11h33m25s
